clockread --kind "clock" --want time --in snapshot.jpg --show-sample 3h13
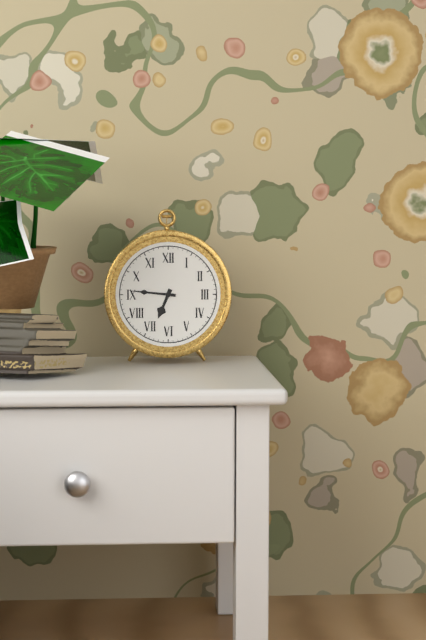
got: 6h46
